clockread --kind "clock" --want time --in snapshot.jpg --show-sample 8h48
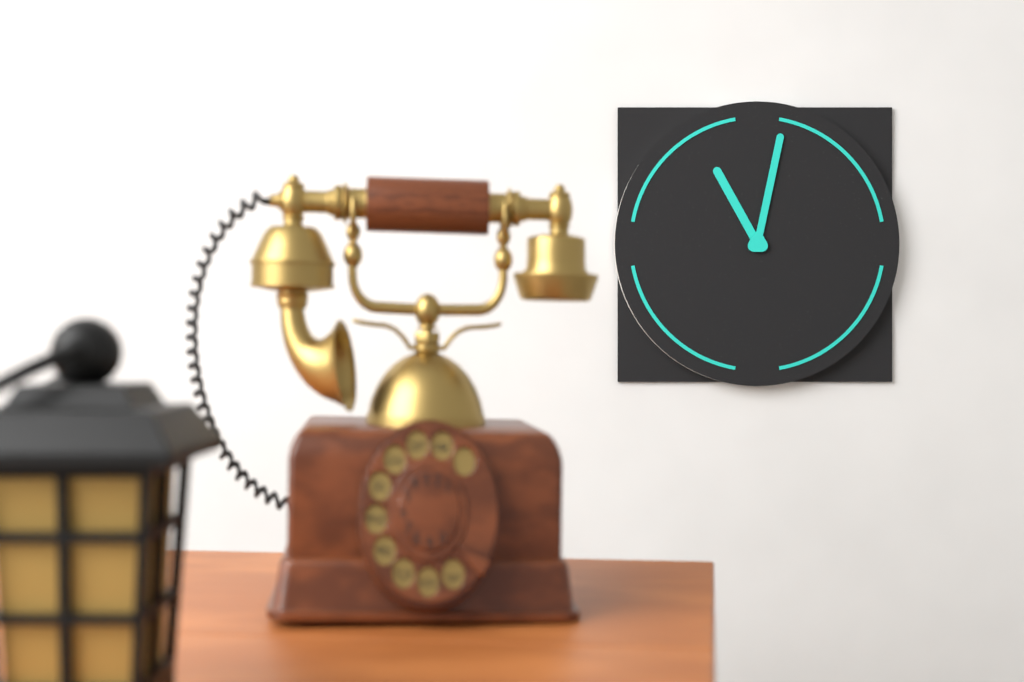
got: 11h02
